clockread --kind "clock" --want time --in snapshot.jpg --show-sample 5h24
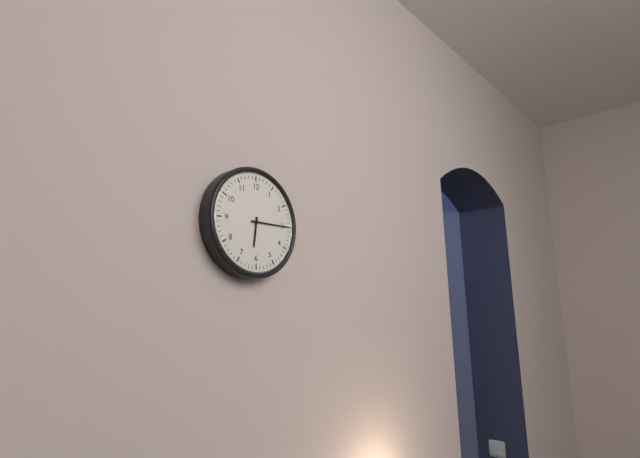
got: 6h15
